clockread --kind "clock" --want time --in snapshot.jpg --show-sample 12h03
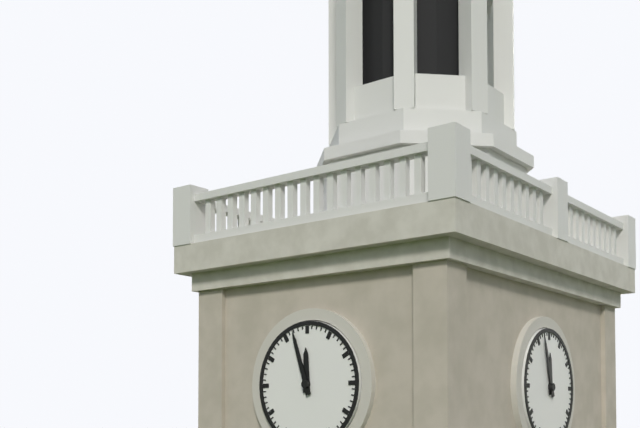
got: 11h57
